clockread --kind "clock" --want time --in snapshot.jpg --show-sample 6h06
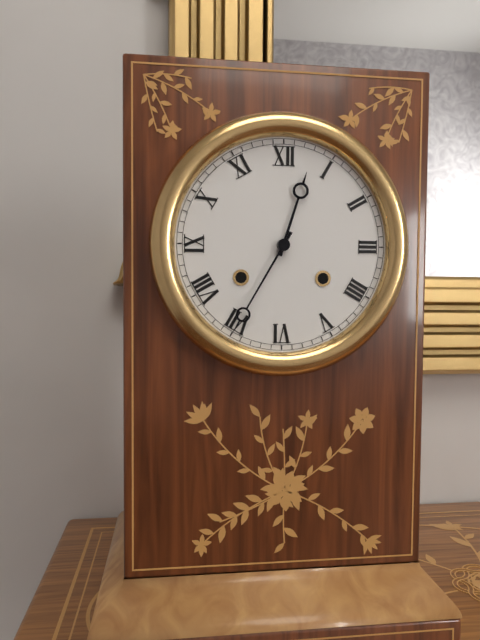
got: 12h35
